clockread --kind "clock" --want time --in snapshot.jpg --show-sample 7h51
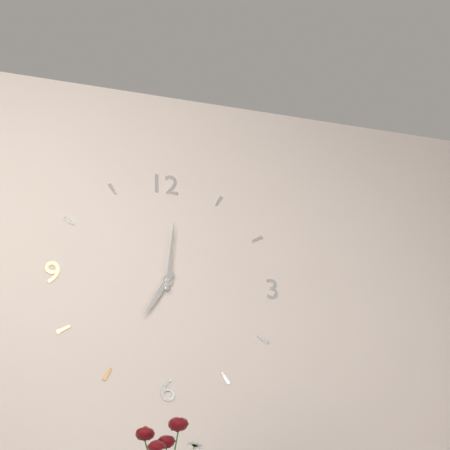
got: 7h01
